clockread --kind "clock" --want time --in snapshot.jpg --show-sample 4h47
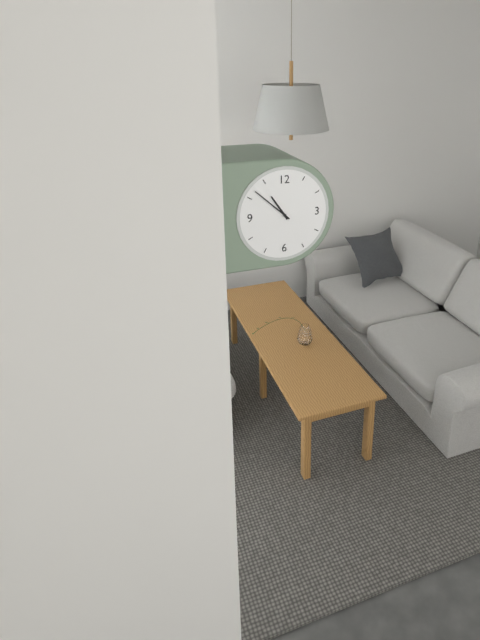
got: 10h52
